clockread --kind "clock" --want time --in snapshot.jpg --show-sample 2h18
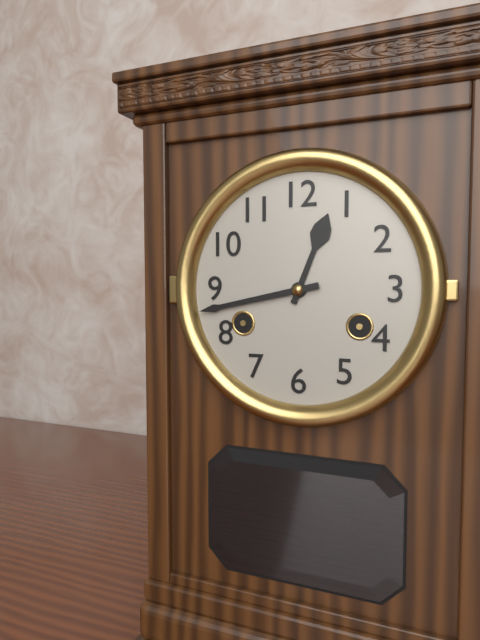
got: 12h43
